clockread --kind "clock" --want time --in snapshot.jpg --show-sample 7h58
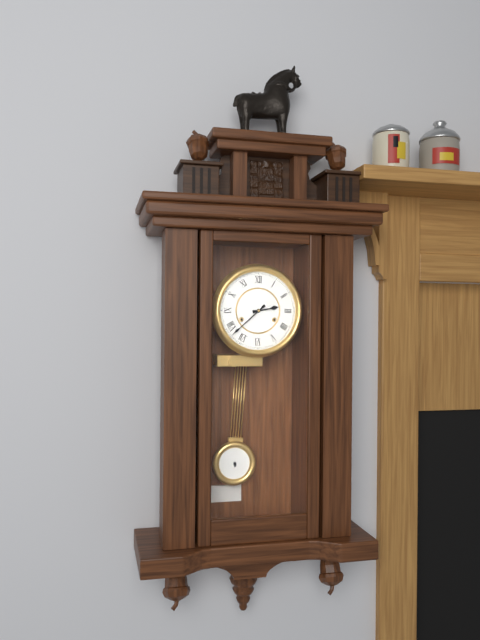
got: 2h38
